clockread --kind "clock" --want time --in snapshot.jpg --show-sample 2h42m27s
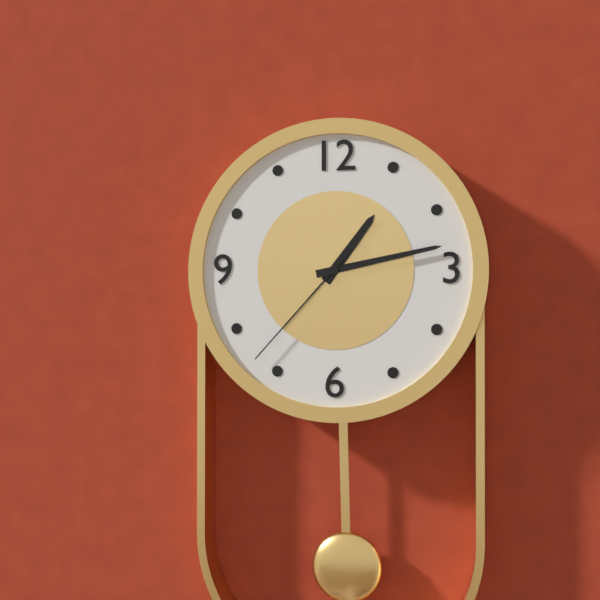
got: 1h13m37s
